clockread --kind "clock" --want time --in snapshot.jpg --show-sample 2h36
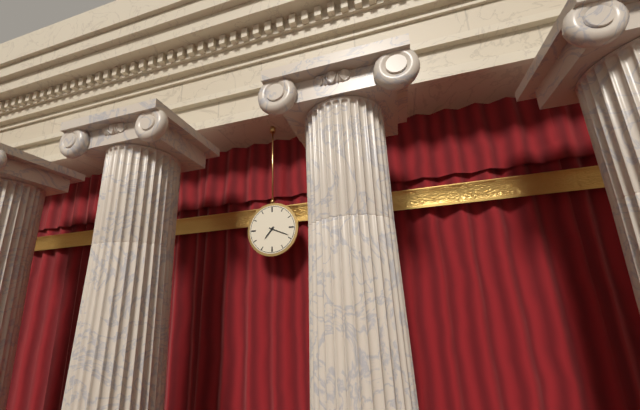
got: 7h19
